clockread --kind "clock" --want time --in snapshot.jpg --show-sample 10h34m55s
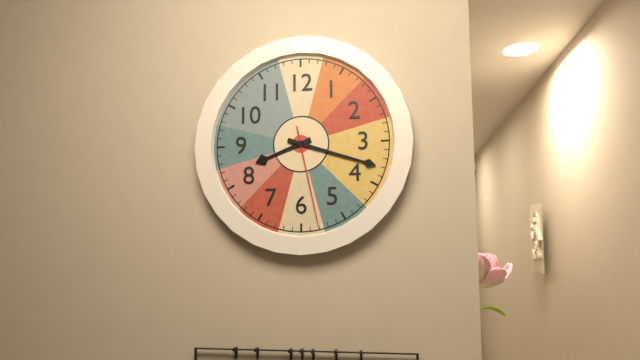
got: 8h18m28s
